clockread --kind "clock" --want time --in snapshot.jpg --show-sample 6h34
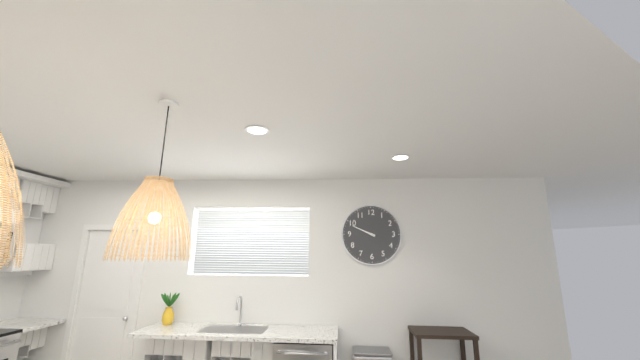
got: 9h49
